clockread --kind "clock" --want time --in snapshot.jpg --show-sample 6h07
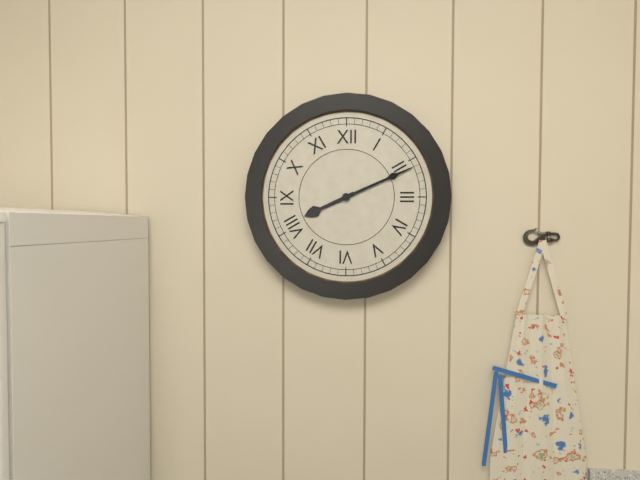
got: 8h11
